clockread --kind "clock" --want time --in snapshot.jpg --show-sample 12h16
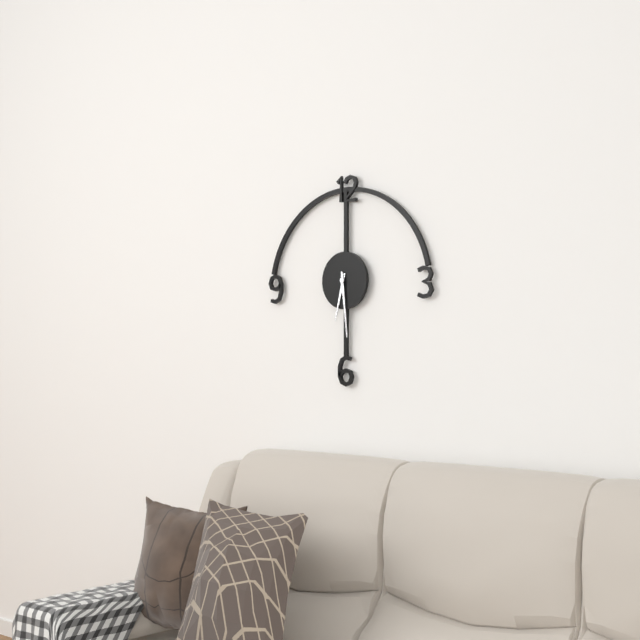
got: 6h29
